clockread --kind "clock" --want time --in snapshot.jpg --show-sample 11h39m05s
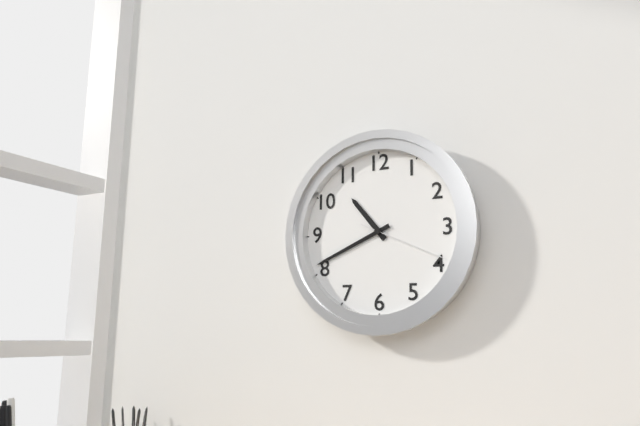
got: 10h41m19s
